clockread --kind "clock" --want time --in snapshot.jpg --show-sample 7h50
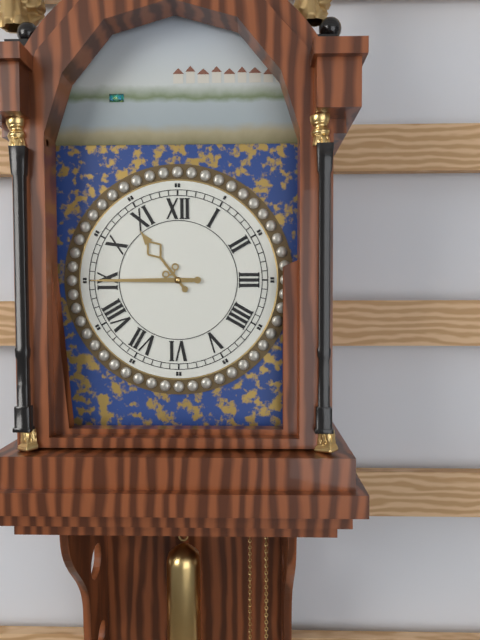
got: 10h45
